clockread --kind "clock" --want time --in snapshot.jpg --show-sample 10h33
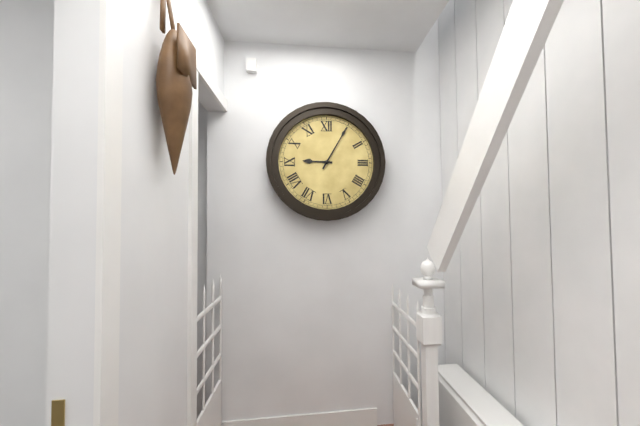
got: 9h05
